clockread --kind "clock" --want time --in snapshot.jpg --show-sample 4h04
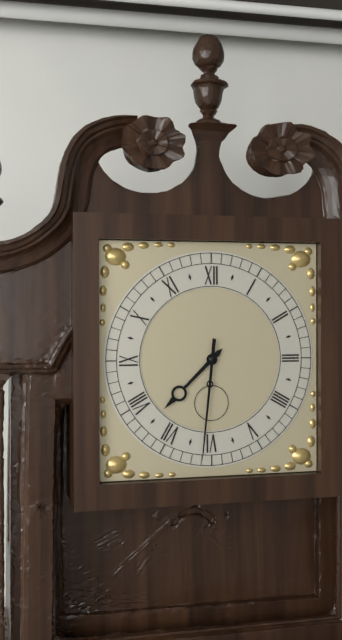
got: 7h31
